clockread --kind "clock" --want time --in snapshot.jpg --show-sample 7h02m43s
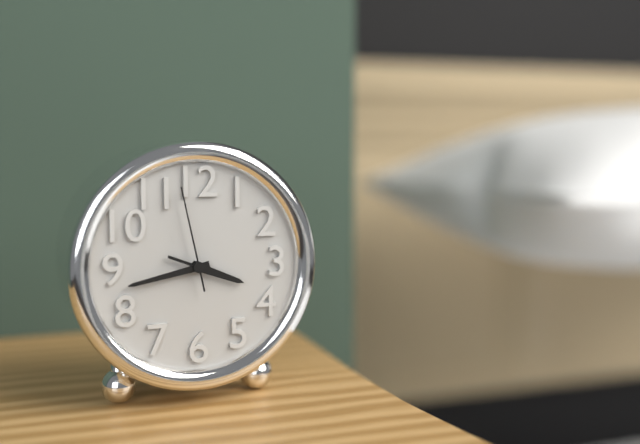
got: 3h43m58s
